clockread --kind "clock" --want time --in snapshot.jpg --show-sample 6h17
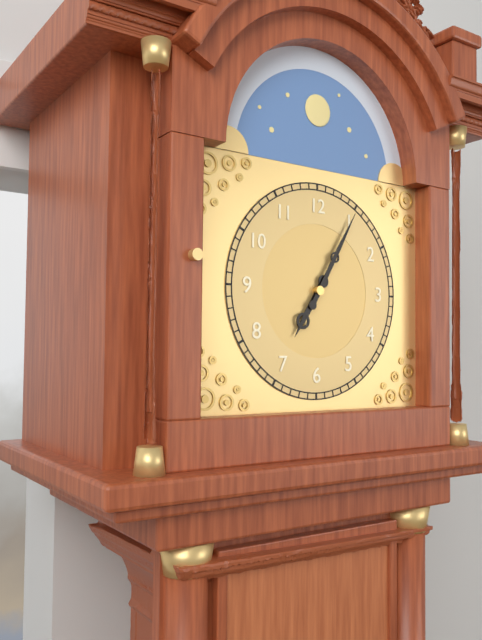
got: 7h05
